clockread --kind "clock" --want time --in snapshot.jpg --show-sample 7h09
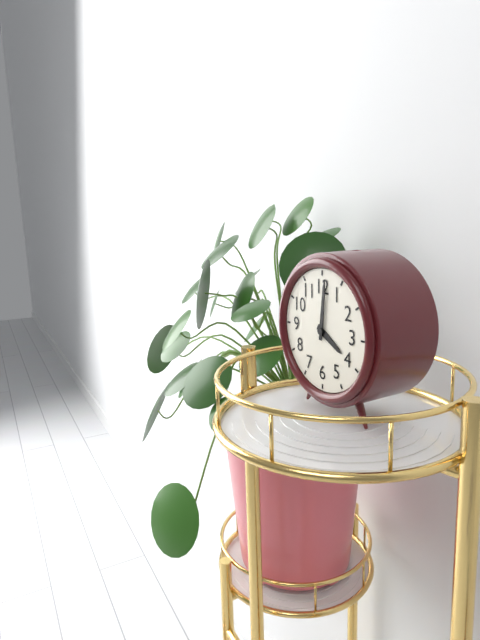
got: 4h01
